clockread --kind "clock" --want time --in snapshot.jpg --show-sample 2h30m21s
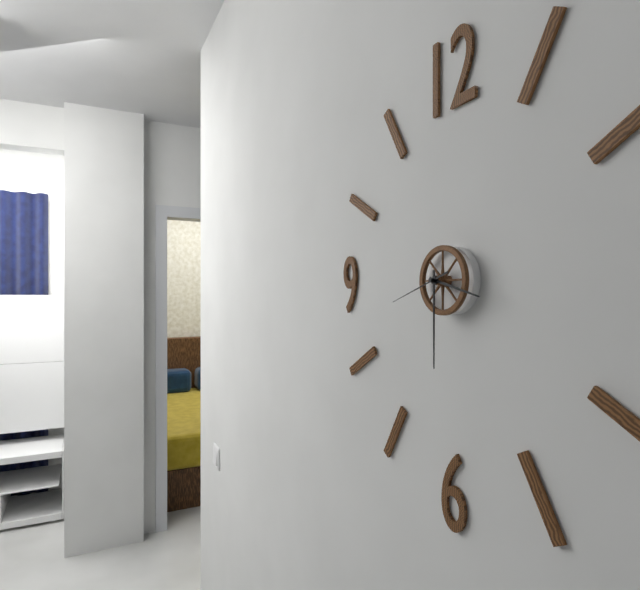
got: 3h30m42s
